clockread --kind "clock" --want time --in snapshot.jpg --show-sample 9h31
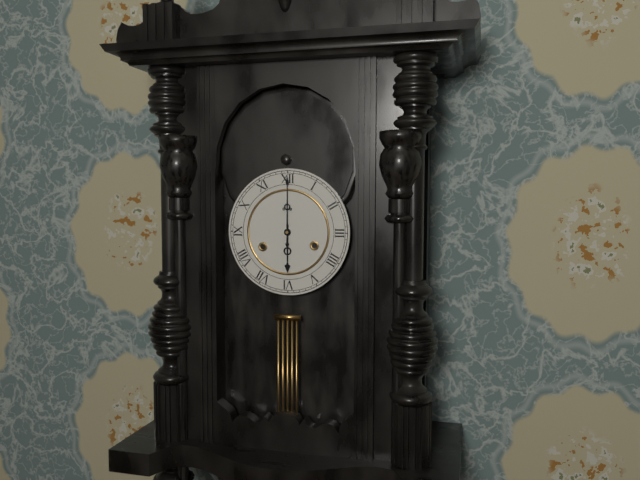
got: 6h00
